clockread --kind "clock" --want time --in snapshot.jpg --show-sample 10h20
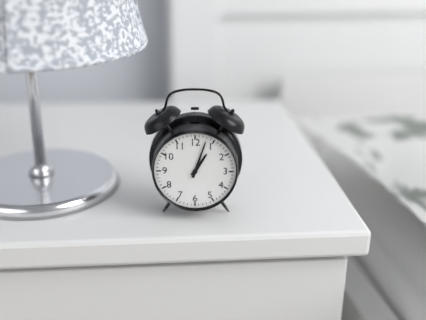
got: 1h03
